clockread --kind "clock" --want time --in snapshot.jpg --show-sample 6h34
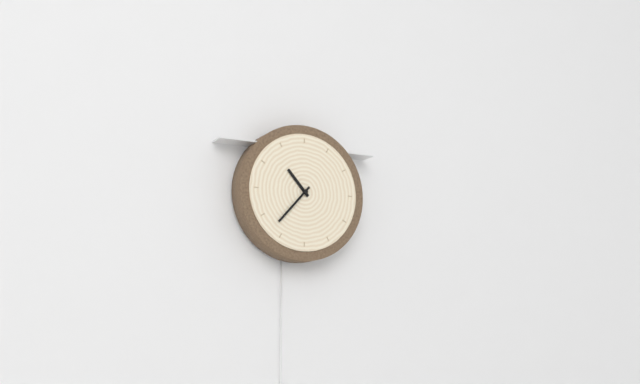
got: 10h37
